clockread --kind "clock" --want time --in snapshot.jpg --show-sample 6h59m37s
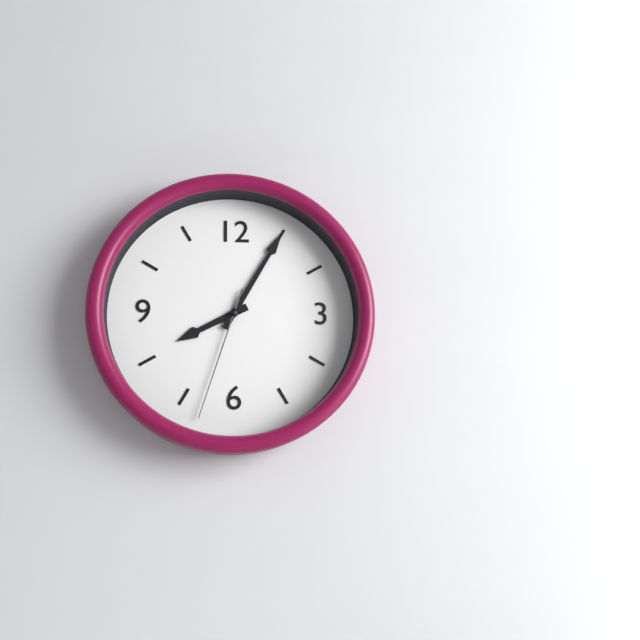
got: 8h05m33s
